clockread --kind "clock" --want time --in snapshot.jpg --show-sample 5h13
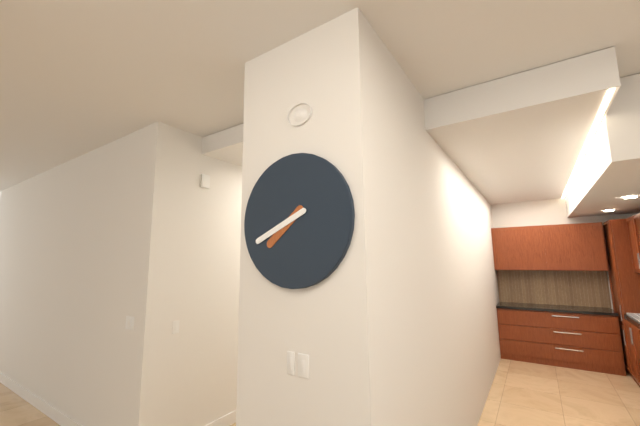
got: 7h41
